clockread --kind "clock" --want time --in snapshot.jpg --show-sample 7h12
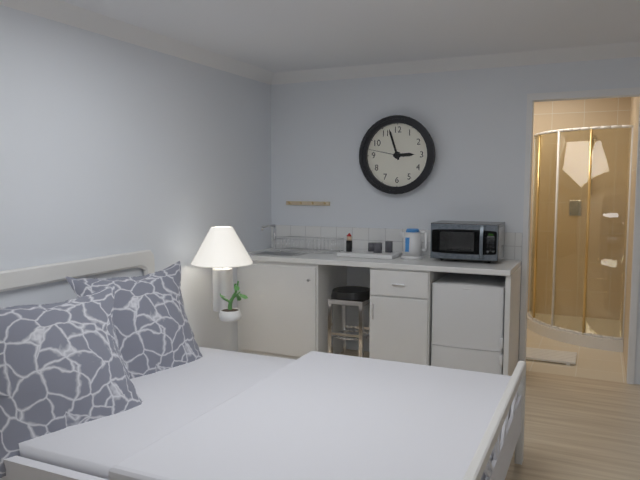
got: 2h57
